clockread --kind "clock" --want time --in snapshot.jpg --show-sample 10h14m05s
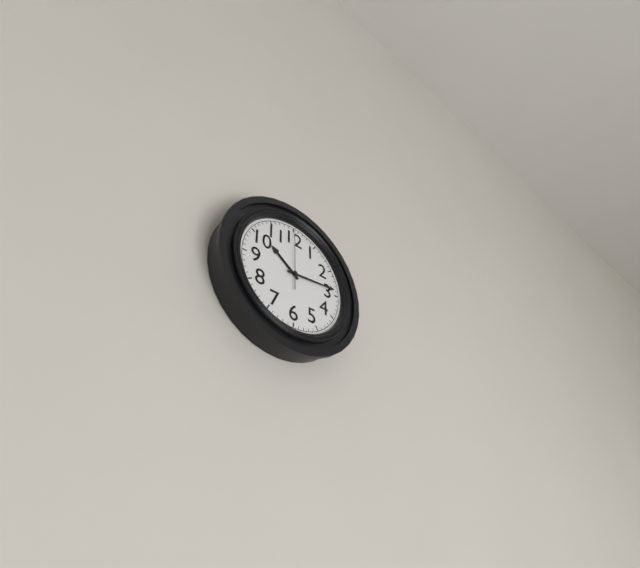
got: 10h14m00s
